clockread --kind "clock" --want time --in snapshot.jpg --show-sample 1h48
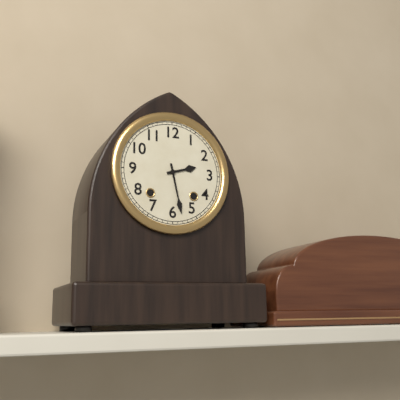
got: 2h28
